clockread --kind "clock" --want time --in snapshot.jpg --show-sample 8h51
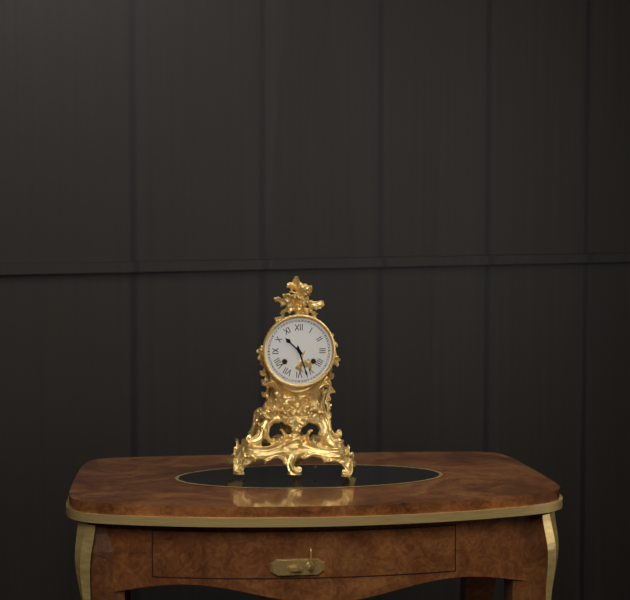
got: 10h27
